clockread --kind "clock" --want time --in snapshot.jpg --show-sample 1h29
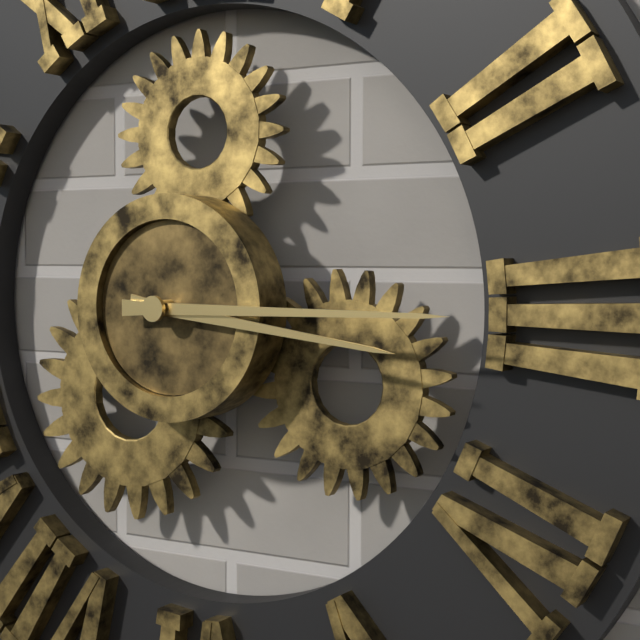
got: 3h15
